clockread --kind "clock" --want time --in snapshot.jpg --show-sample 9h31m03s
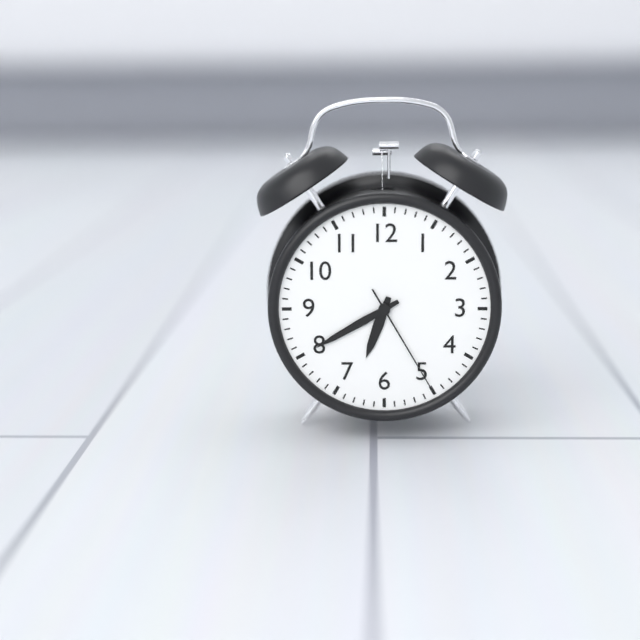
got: 6h40m25s
